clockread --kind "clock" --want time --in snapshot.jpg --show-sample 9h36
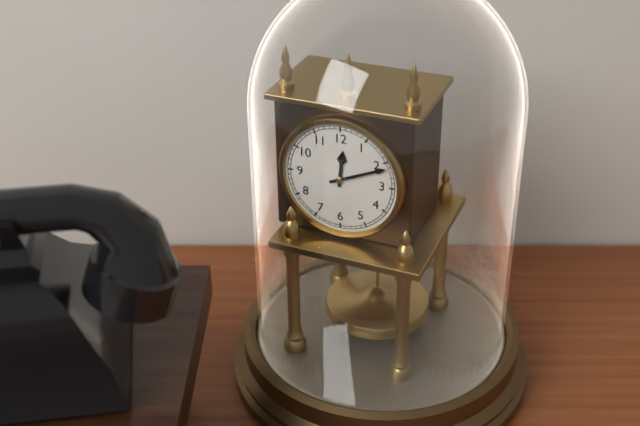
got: 12h11
